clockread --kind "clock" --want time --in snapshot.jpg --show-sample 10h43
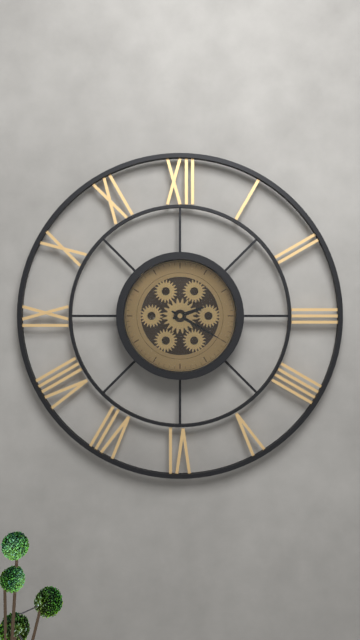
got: 2h20
